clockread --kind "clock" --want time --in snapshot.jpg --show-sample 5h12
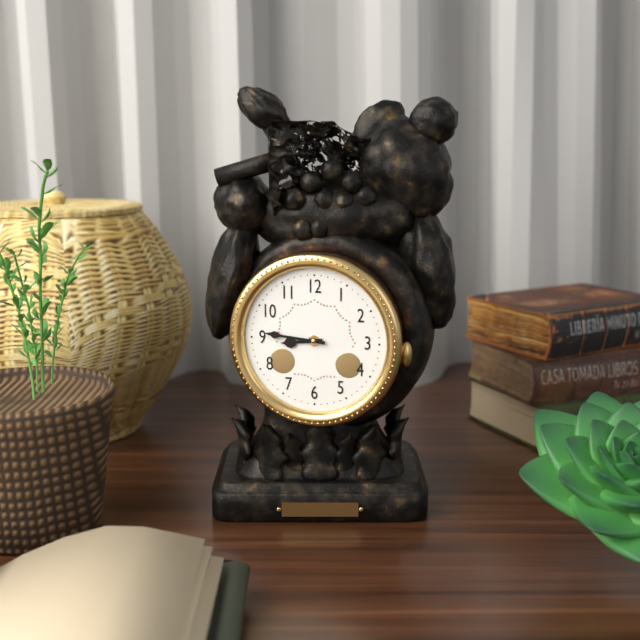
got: 8h46
